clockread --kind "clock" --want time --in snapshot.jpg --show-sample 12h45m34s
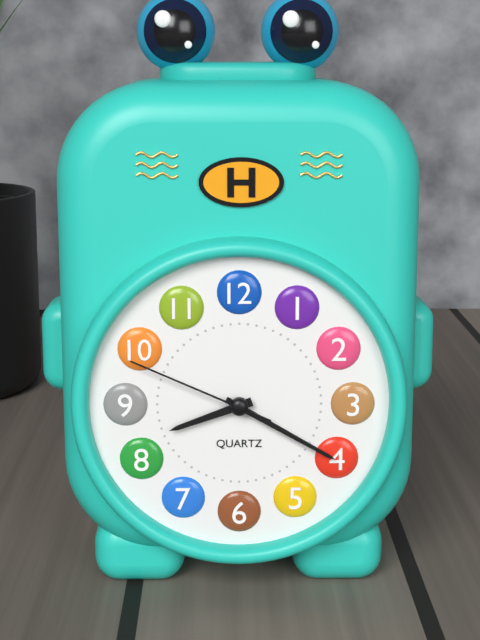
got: 8h20m49s
